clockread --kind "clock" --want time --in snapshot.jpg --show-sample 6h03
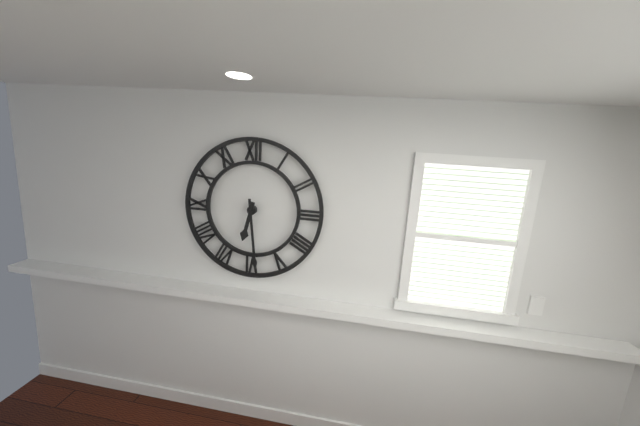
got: 6h29
